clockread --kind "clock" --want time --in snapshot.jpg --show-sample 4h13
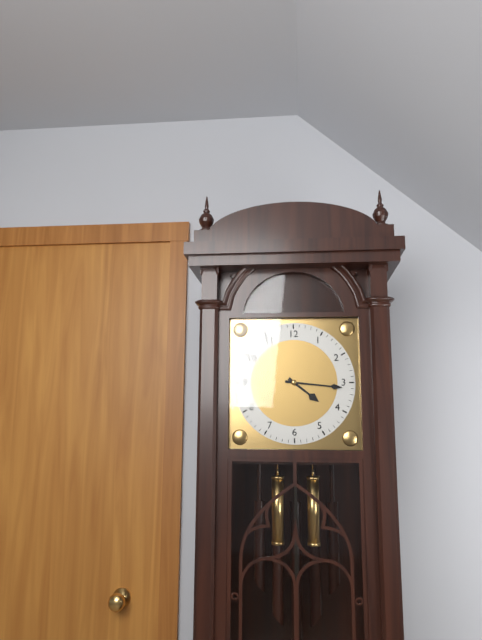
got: 4h16
